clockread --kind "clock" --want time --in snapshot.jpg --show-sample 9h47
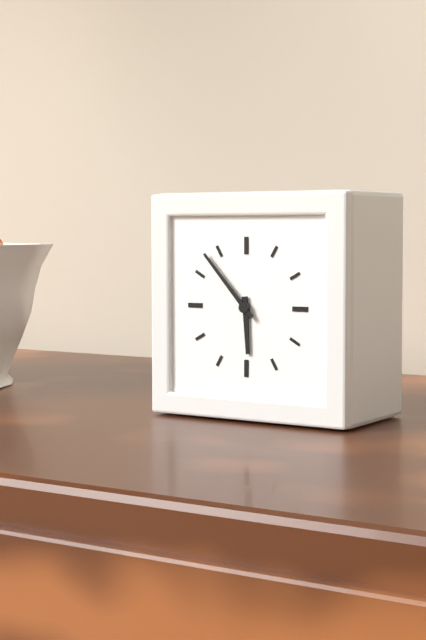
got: 5h53
